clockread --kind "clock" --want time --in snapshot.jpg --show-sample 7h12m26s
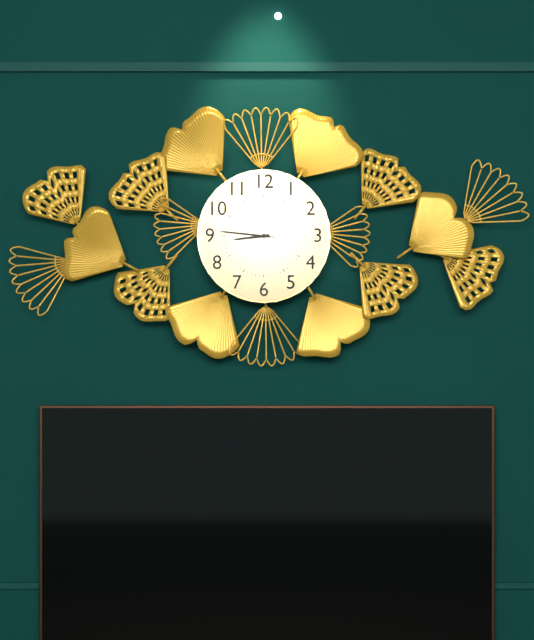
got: 8h46m46s
